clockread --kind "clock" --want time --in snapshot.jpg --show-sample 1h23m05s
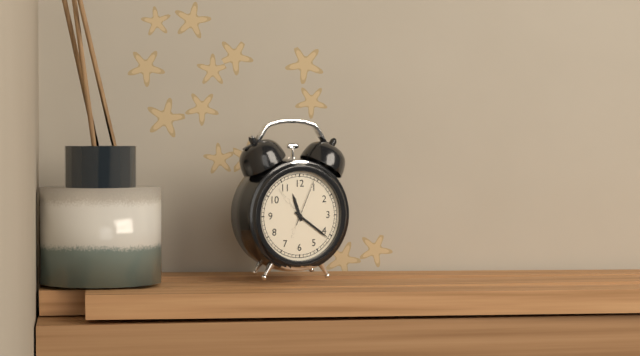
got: 11h21m04s
